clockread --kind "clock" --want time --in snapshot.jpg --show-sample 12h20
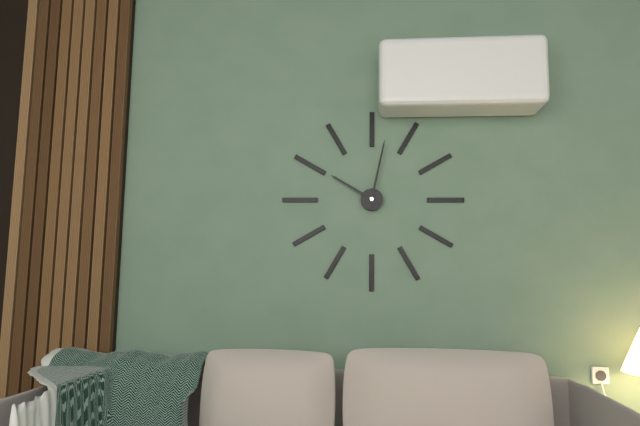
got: 10h02
